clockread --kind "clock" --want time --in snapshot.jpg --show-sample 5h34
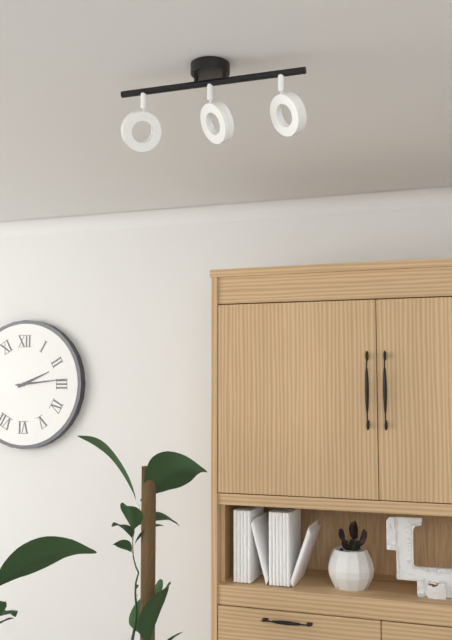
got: 2h14
